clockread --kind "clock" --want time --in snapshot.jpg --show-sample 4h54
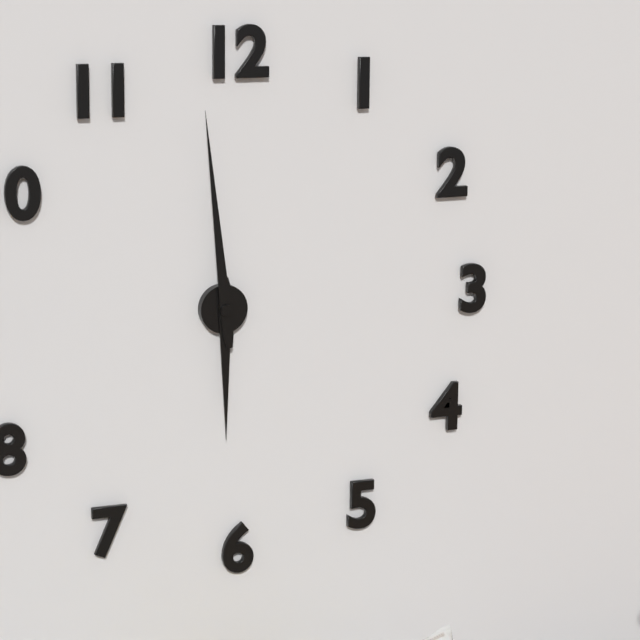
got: 5h59
